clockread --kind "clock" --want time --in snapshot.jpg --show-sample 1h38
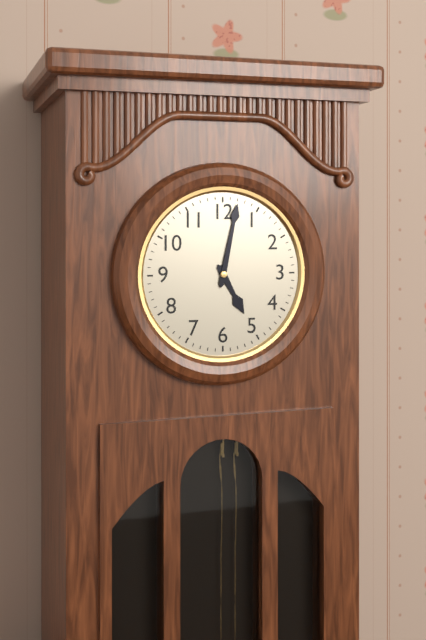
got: 5h02
